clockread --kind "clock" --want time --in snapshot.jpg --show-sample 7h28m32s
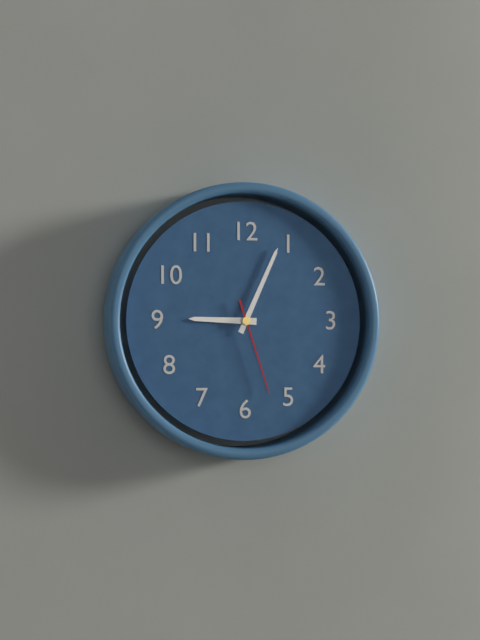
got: 9h04m27s
